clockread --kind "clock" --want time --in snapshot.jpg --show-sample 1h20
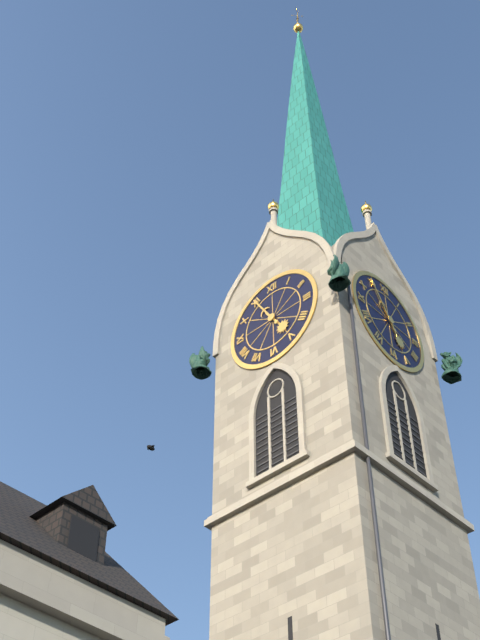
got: 4h55
